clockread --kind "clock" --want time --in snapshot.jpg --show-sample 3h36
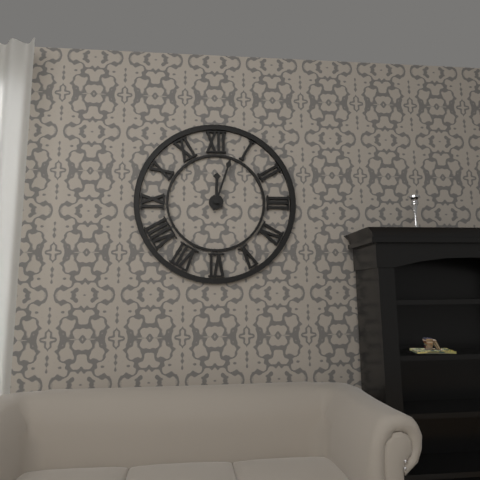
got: 12h03
